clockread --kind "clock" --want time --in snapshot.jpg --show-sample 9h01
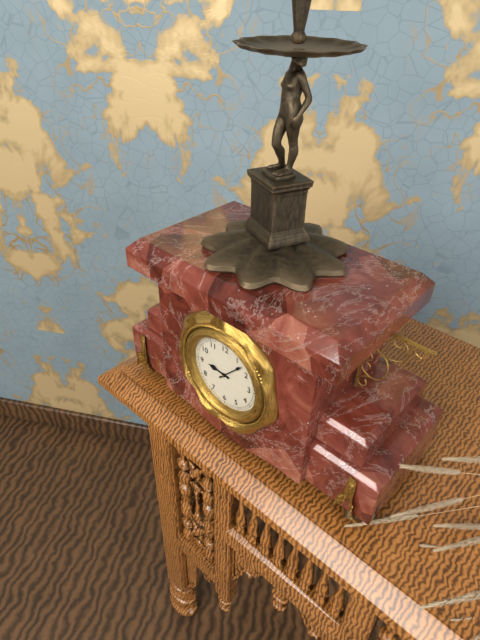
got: 9h07
